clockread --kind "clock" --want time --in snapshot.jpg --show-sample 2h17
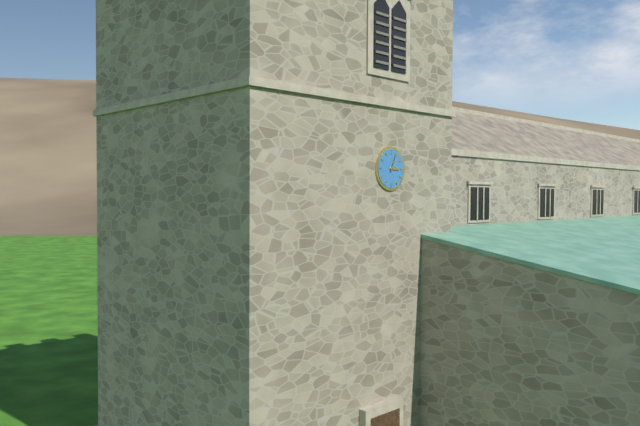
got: 3h04
